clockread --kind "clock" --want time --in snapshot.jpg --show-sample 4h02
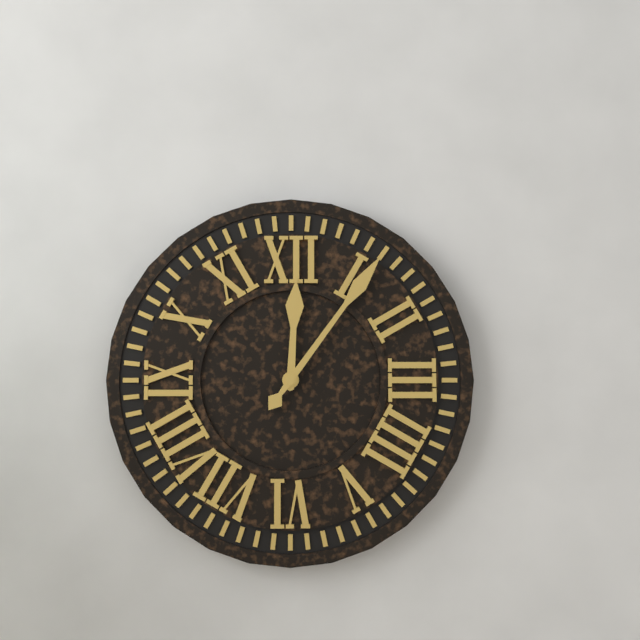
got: 12h06
